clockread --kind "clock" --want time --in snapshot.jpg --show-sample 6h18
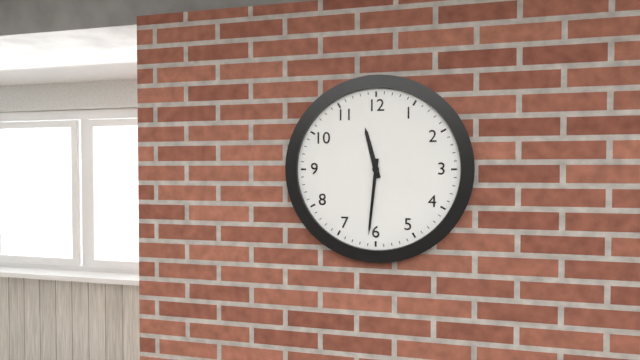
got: 11h31
